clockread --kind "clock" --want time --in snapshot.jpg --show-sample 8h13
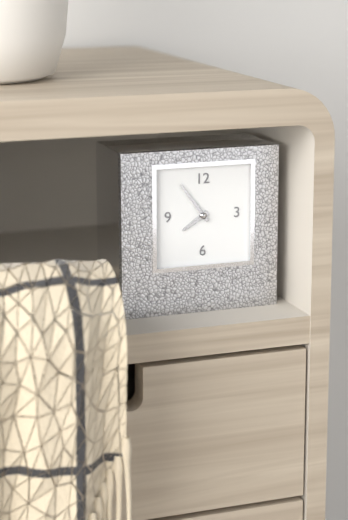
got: 7h54
